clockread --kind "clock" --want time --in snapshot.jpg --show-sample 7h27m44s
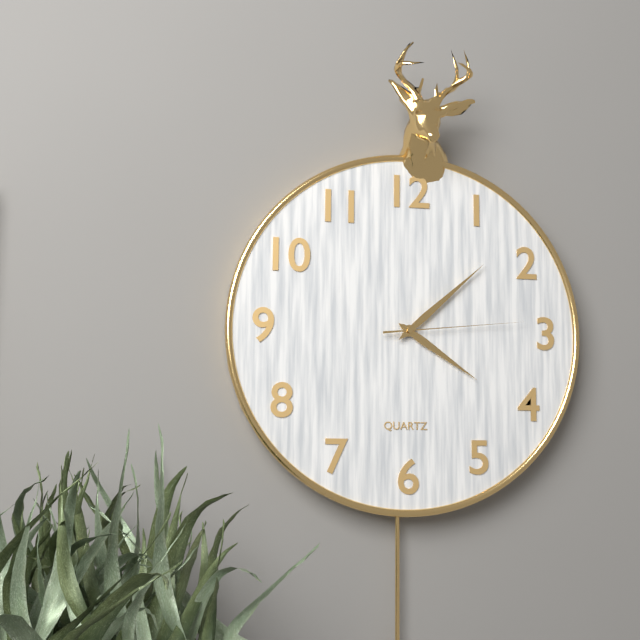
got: 4h08m14s
